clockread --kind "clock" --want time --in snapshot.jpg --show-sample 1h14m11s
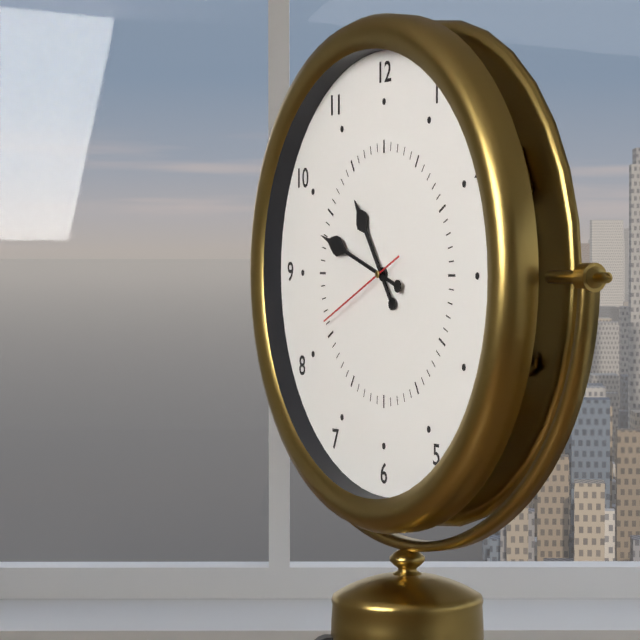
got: 10h48m41s
